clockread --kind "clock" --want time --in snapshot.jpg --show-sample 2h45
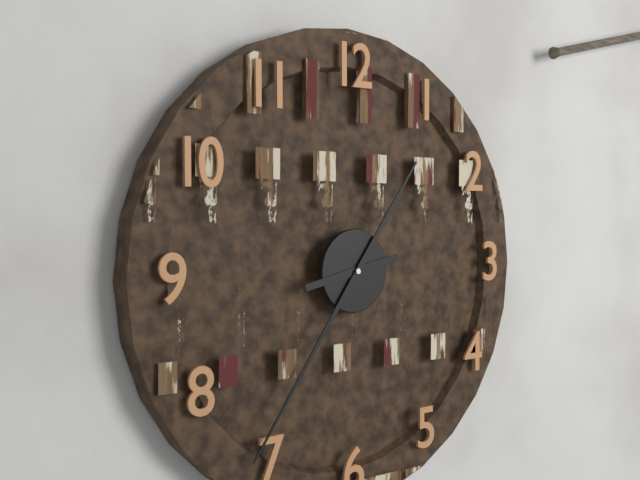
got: 8h36
